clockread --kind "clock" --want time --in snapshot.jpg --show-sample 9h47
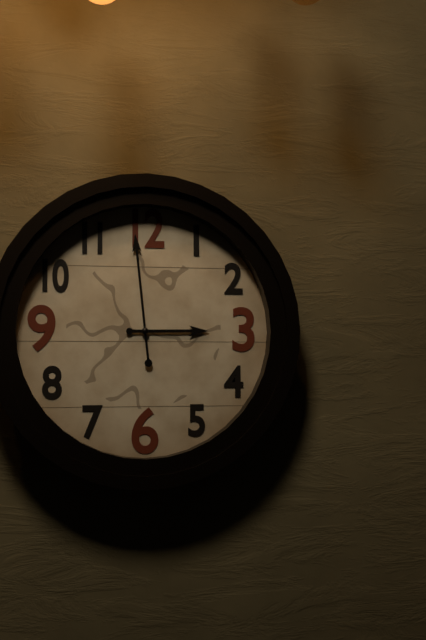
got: 2h59
